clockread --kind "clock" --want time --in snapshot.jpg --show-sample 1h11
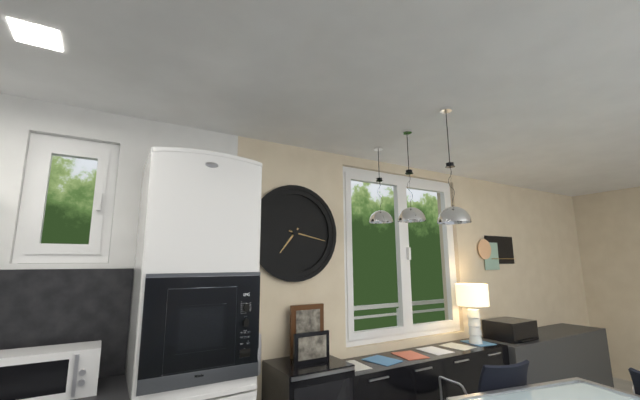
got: 7h17
